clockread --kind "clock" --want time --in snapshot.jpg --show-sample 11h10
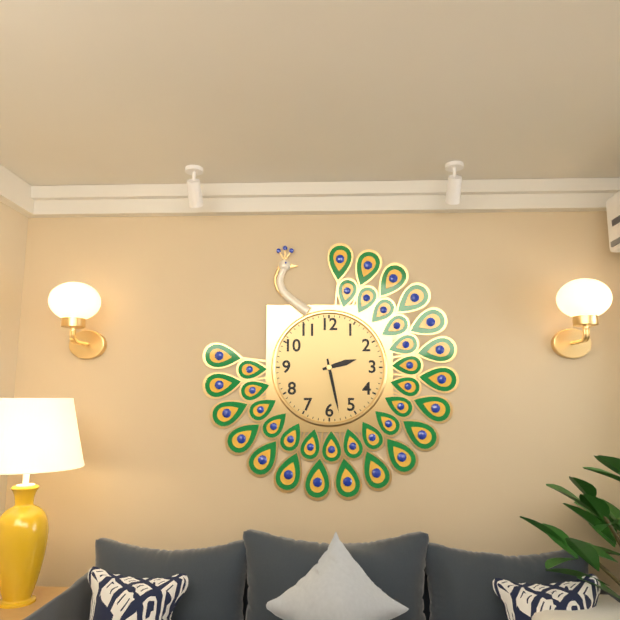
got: 2h28
